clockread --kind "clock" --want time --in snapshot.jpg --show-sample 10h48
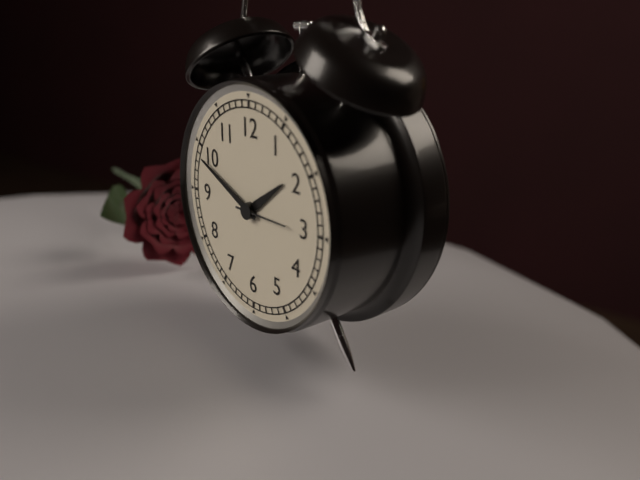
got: 1h49
